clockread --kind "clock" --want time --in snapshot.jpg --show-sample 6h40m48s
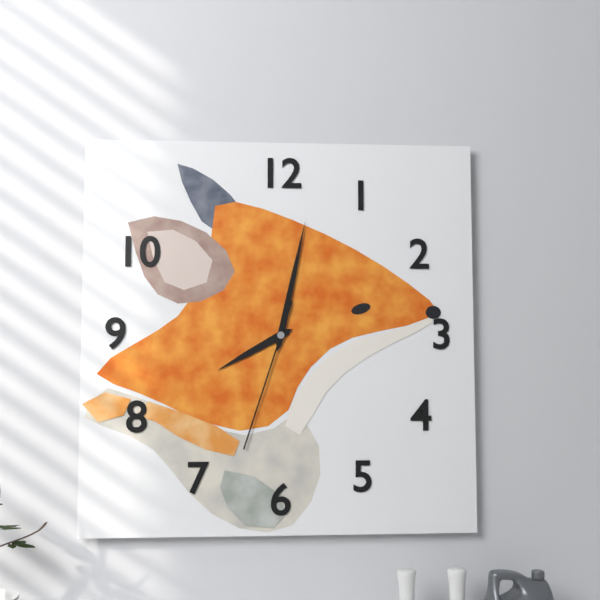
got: 8h02m33s
